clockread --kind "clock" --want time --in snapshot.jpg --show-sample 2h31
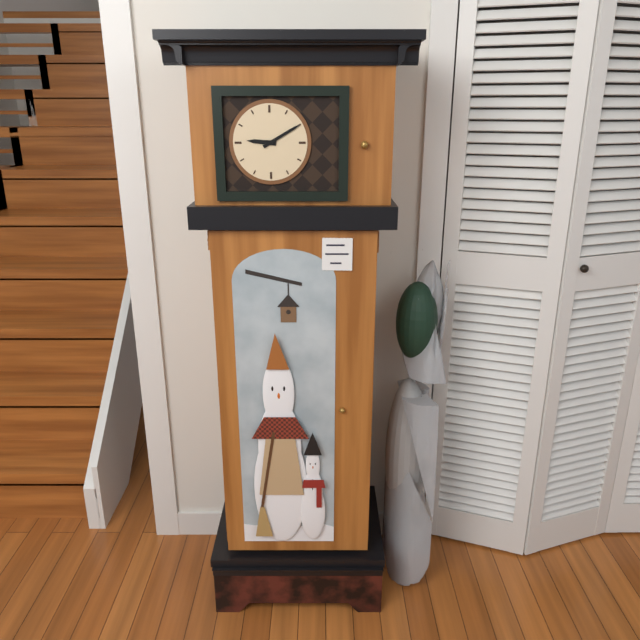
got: 9h10
